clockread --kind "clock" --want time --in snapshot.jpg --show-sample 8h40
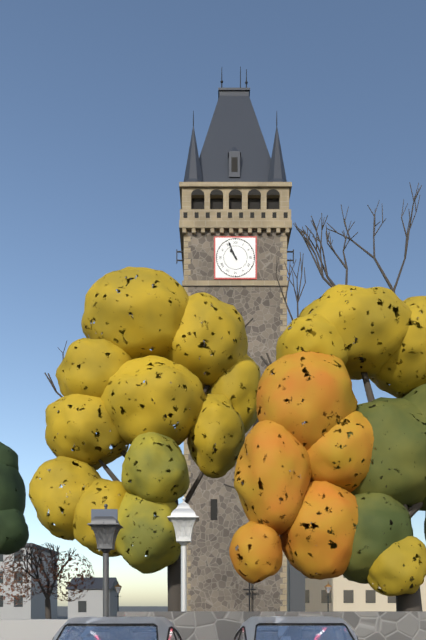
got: 10h56
